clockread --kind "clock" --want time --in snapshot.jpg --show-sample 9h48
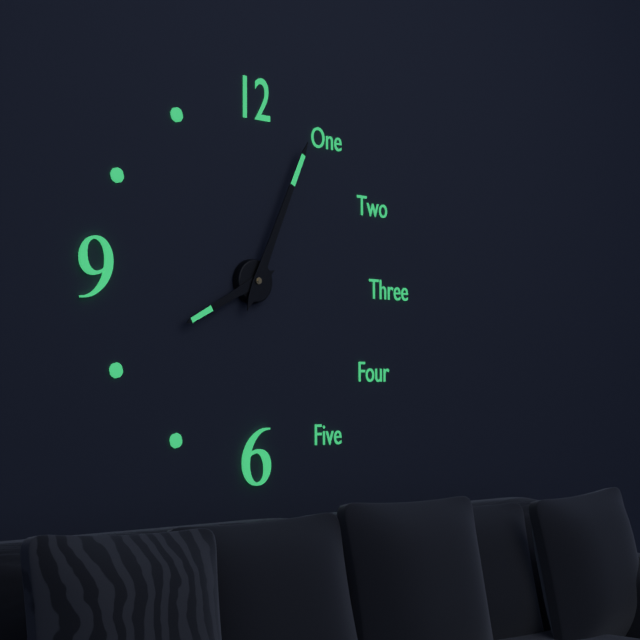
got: 8h04
